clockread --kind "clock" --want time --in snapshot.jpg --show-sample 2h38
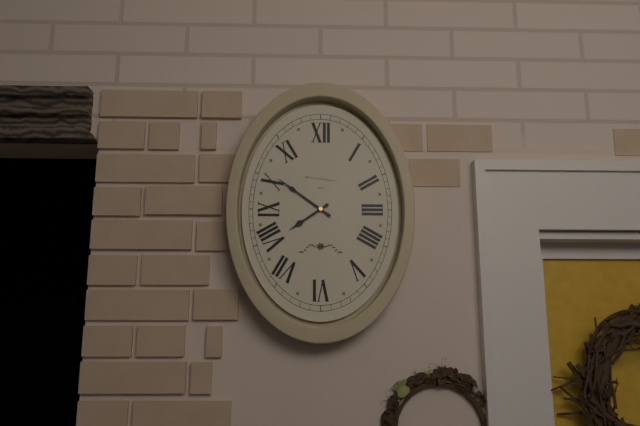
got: 7h51
